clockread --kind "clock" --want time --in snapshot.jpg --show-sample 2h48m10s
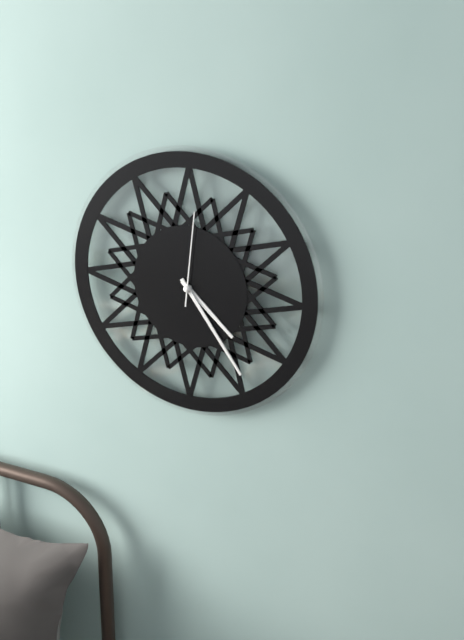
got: 4h24m01s
